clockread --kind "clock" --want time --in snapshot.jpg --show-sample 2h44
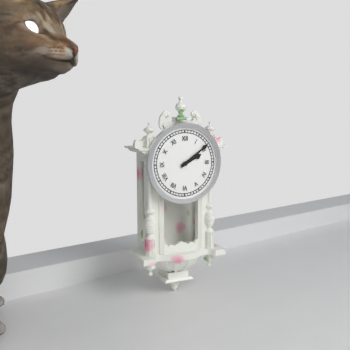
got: 2h09
